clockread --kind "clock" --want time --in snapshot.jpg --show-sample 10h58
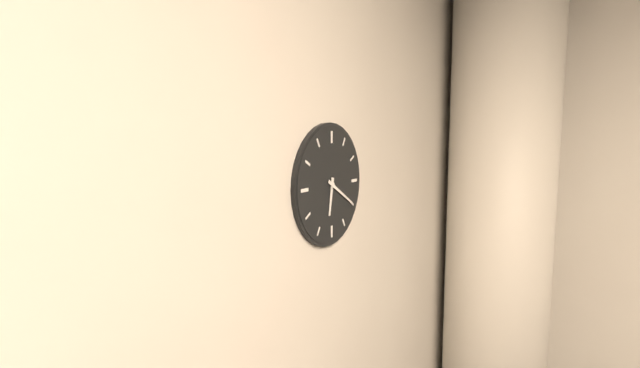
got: 6h20
